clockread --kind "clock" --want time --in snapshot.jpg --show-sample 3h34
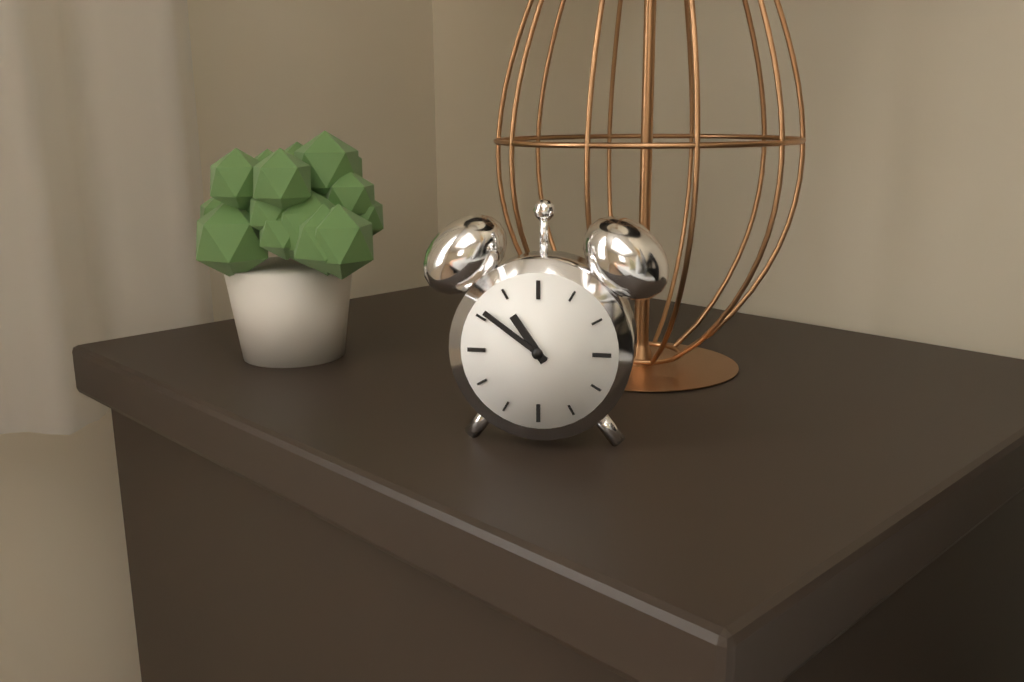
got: 10h51
